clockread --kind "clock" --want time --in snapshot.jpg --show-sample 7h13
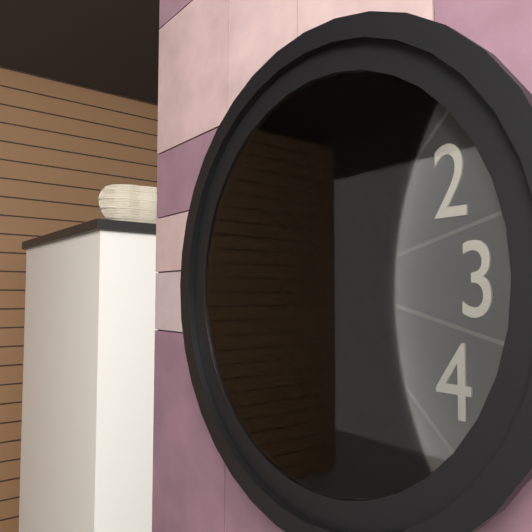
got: 9h49
